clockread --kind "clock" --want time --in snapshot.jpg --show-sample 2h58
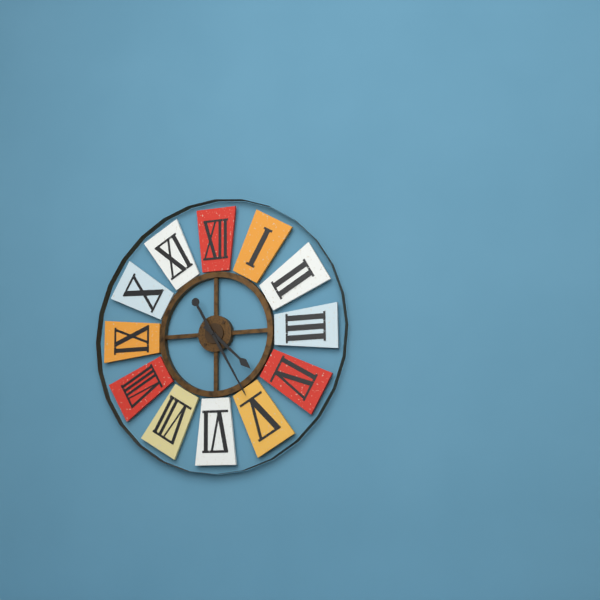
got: 4h25
